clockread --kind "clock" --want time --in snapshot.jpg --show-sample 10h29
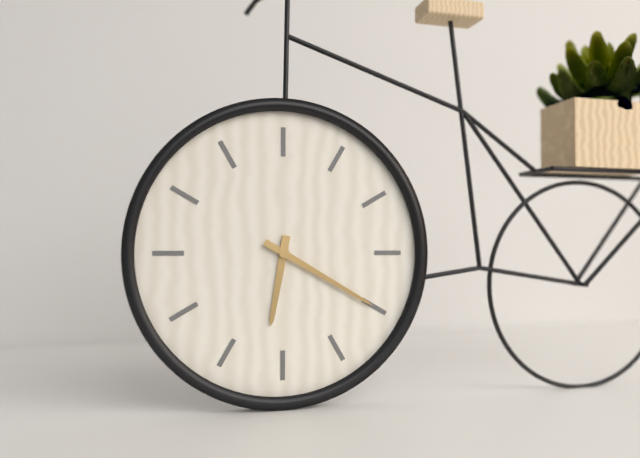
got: 6h20
